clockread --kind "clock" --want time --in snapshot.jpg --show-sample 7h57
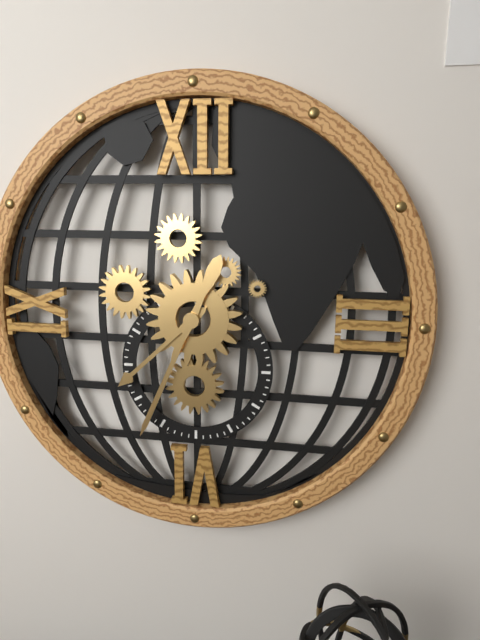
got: 7h34
